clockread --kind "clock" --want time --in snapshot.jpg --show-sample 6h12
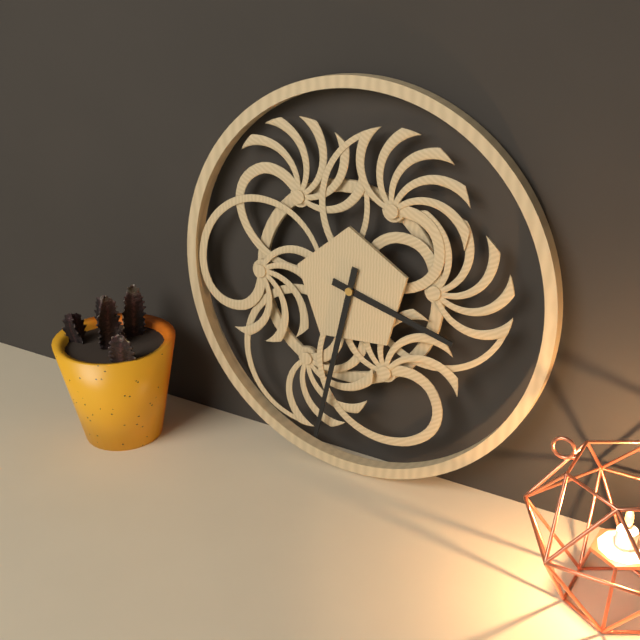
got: 3h32
